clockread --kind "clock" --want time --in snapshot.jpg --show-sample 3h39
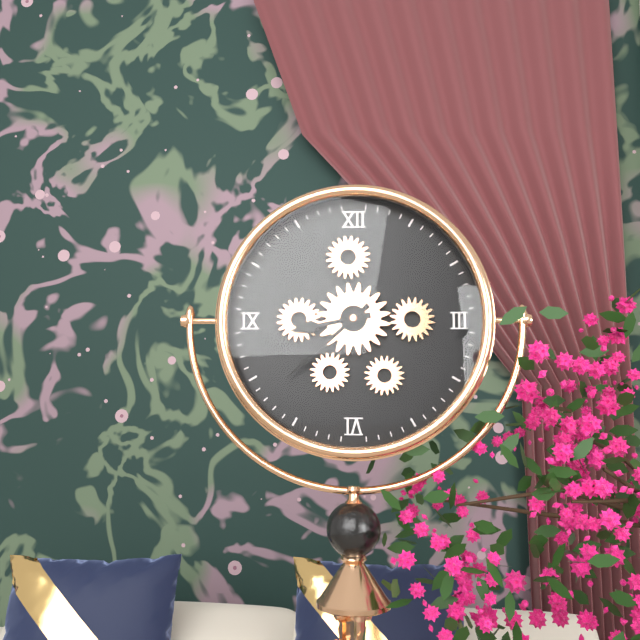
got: 8h38
